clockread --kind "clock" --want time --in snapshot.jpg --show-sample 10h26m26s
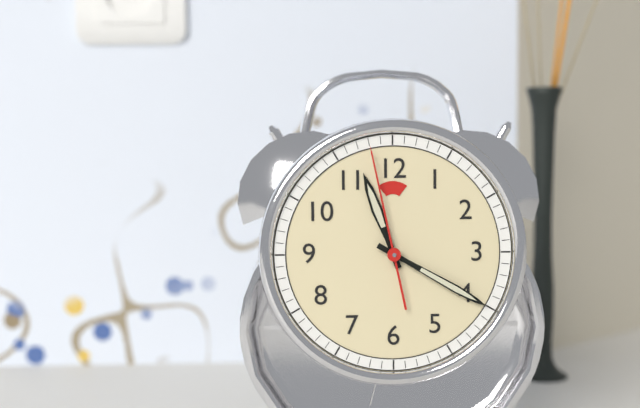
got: 11h20m58s
